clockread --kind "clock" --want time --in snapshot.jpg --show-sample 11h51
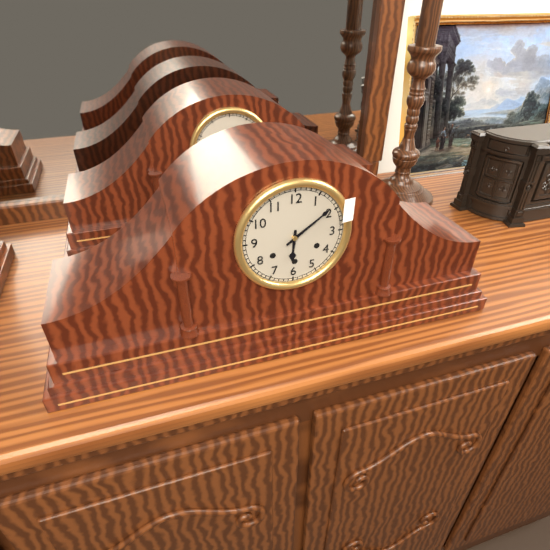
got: 6h09
